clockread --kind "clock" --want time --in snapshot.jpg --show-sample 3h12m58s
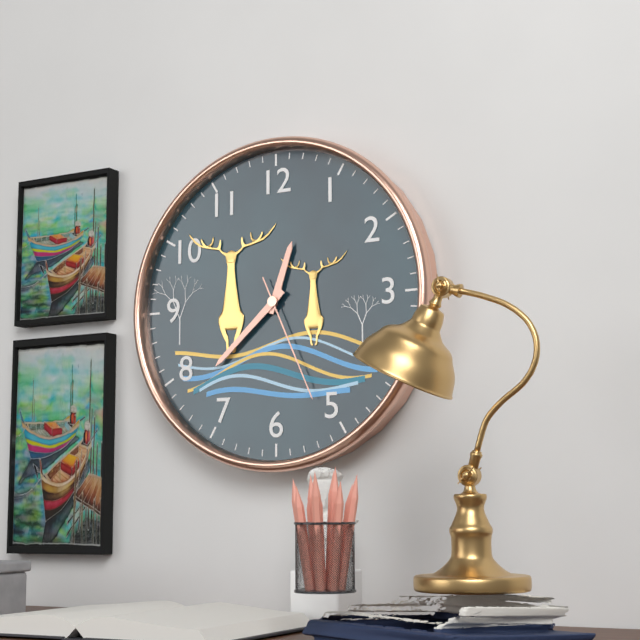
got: 12h38m26s
